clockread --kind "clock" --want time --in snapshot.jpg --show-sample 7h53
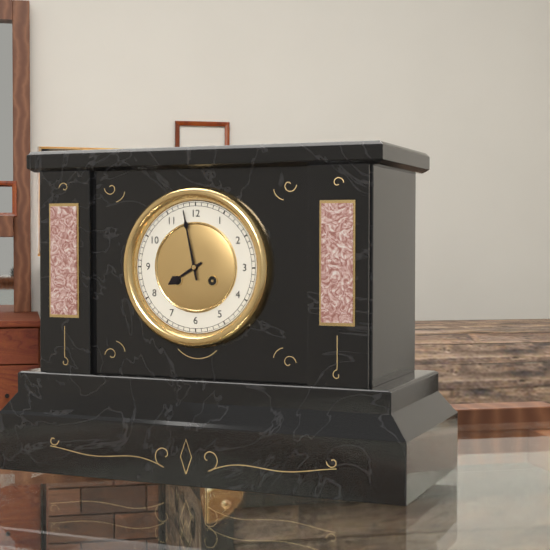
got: 7h58
